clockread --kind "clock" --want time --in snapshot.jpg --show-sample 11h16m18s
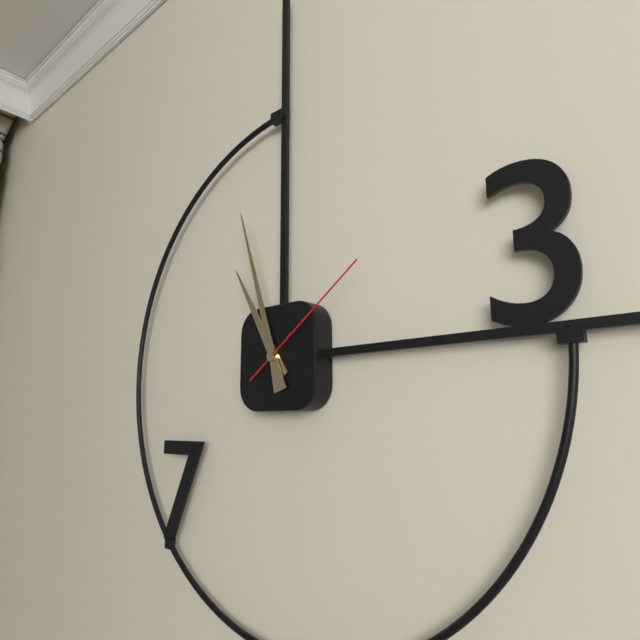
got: 10h57m09s
